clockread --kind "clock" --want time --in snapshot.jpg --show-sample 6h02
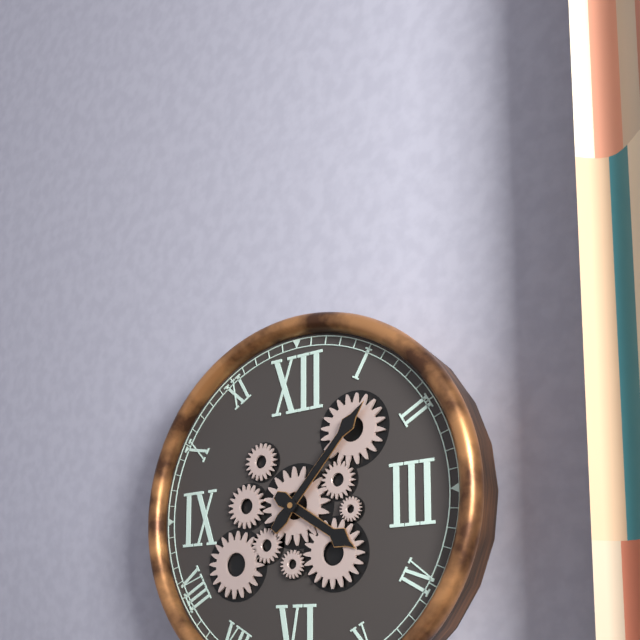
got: 4h07
